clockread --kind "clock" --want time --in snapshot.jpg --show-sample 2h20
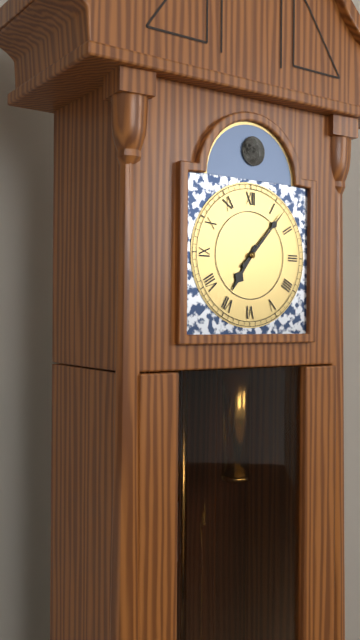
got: 7h07
